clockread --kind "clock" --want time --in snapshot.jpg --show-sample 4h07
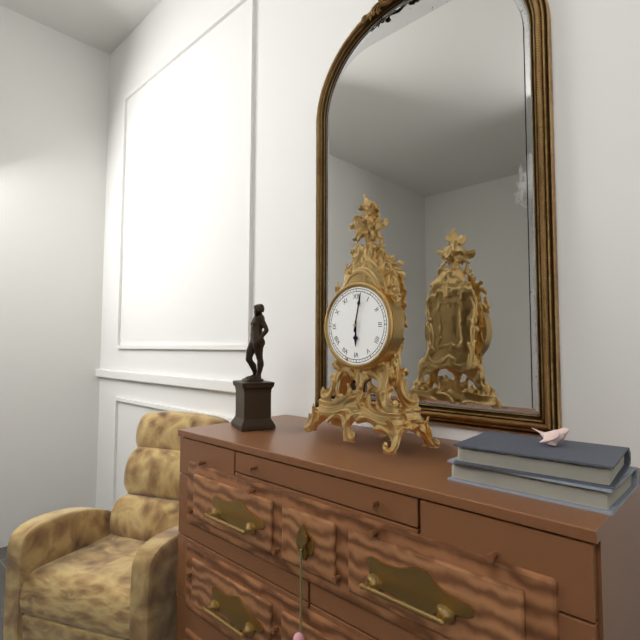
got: 6h02
